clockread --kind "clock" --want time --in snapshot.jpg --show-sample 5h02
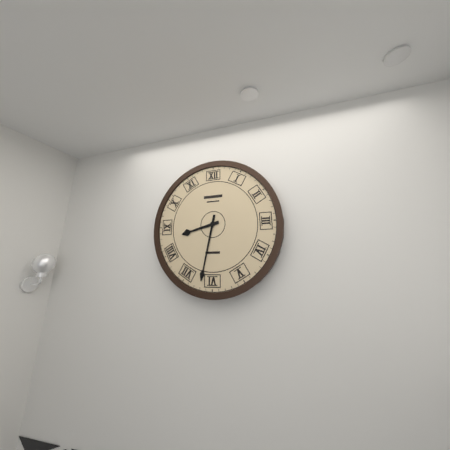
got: 8h32
